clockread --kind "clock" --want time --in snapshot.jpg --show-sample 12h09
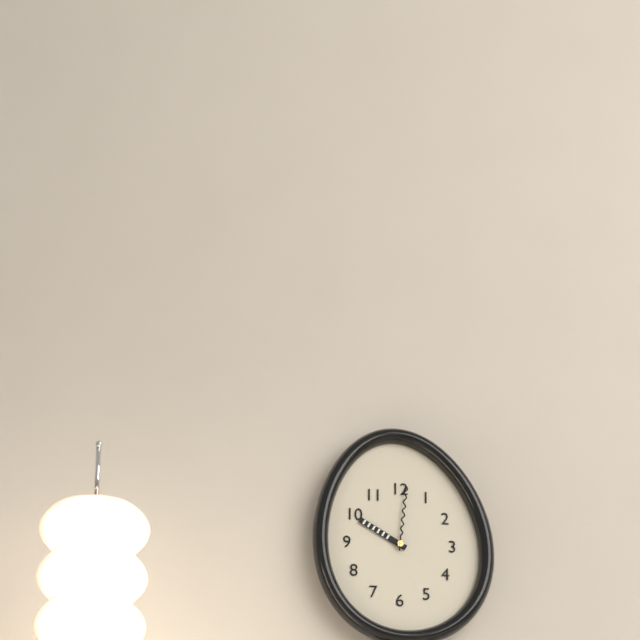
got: 10h01
